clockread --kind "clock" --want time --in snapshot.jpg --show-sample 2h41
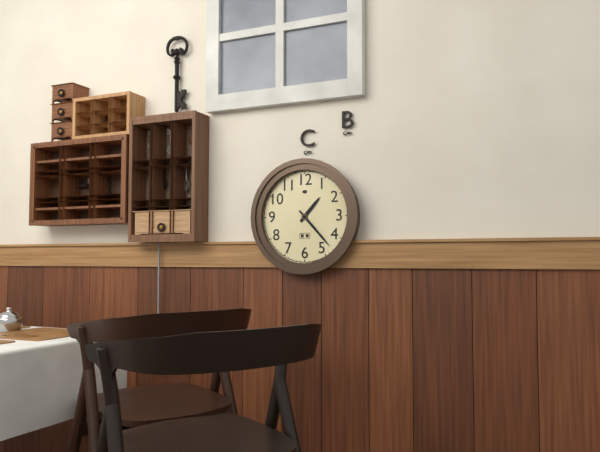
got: 1h23
